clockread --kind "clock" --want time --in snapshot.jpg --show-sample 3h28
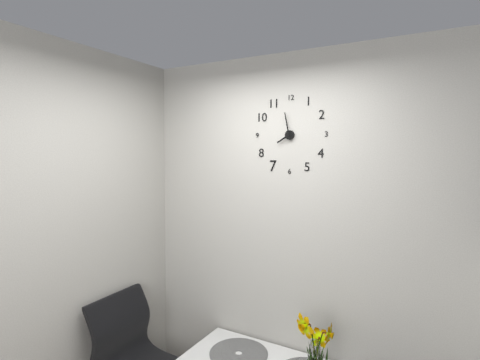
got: 7h58
